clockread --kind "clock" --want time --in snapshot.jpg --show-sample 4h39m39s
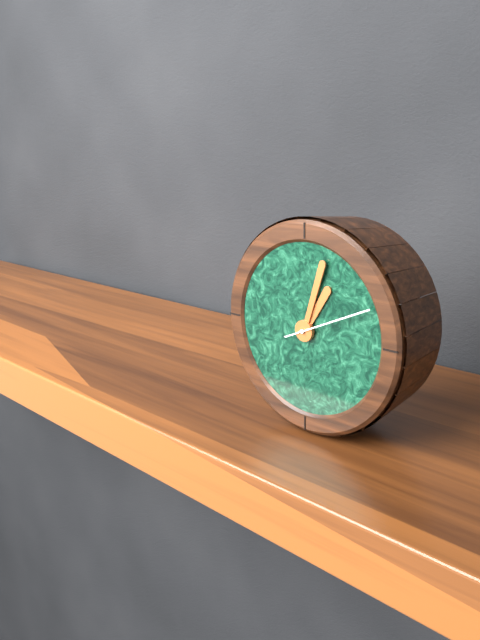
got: 1h03m11s
